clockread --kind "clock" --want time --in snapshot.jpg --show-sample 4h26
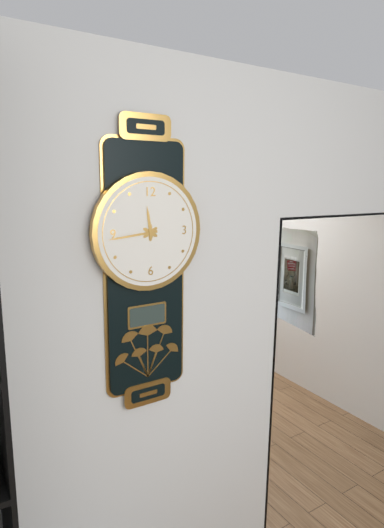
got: 11h44
